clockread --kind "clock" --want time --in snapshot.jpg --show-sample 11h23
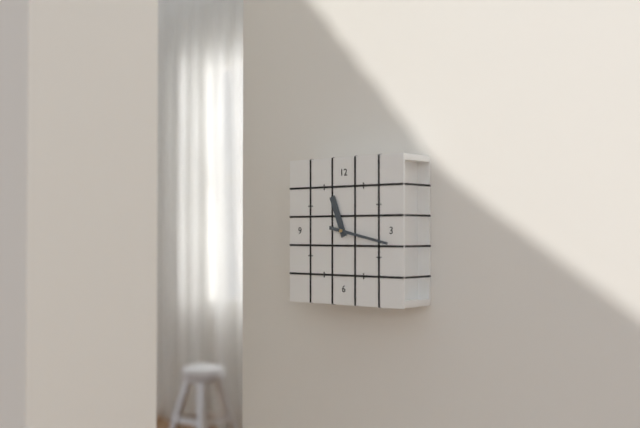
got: 11h17
